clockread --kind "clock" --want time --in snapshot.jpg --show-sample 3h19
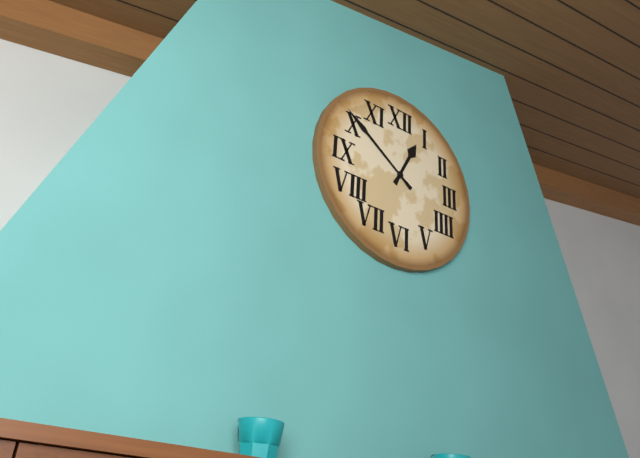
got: 12h51
